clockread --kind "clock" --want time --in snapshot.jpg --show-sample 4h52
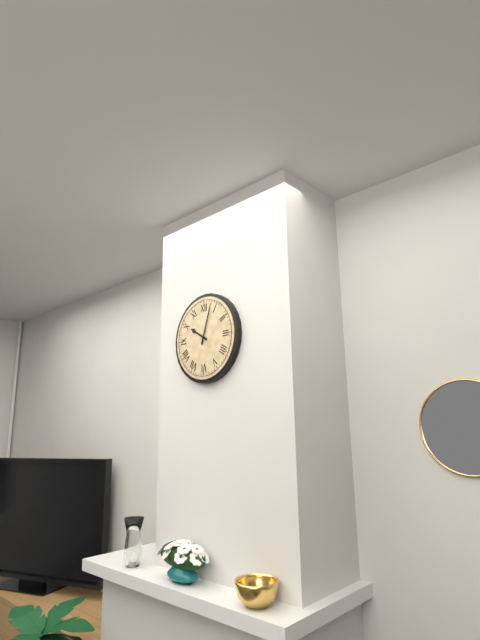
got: 10h03
